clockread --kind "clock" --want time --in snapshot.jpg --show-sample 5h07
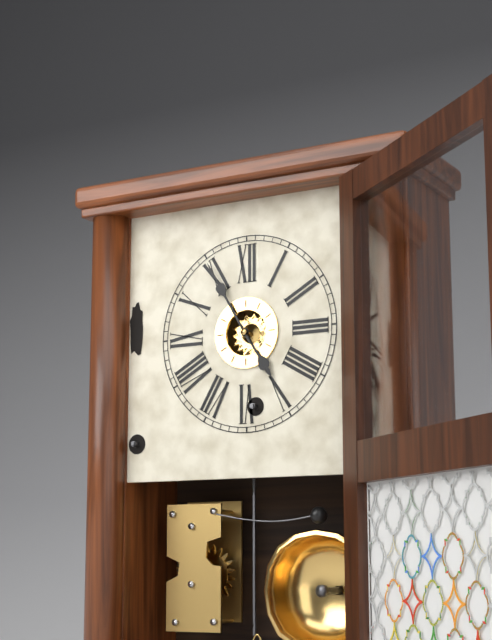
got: 4h55
